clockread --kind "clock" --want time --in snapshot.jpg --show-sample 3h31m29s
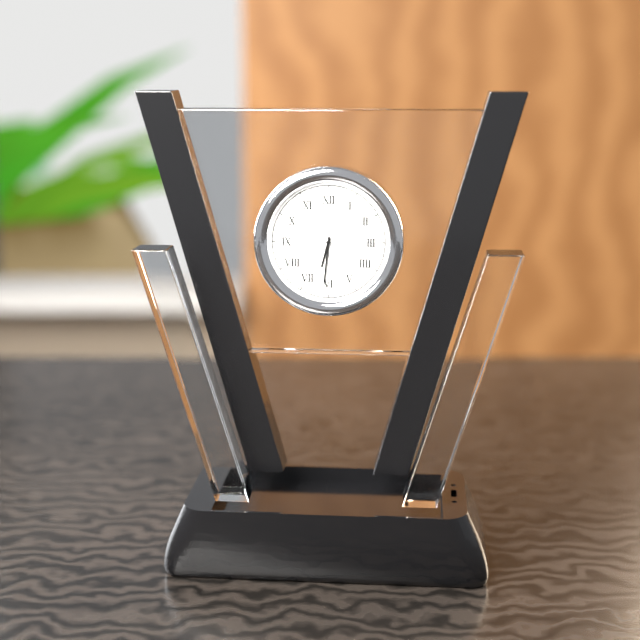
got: 6h31m15s
